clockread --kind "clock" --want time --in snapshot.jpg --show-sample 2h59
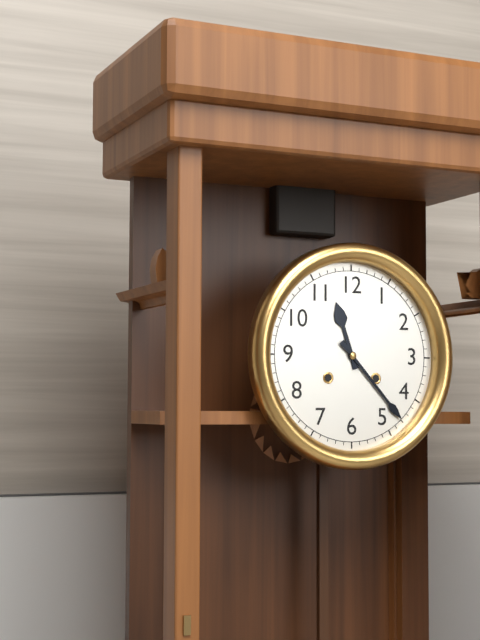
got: 11h23
